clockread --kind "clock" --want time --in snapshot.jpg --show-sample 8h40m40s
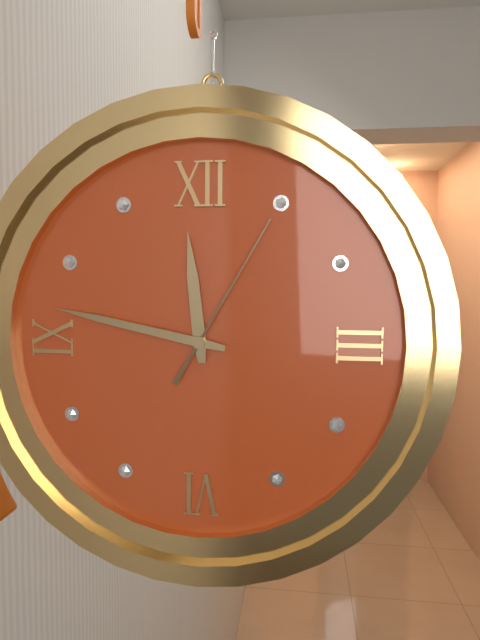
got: 11h47m05s
